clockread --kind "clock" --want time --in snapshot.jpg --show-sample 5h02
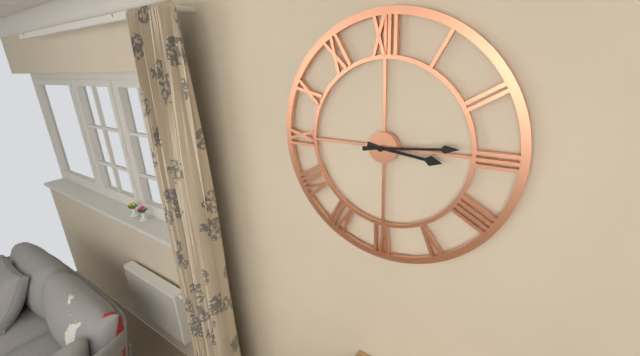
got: 3h14
